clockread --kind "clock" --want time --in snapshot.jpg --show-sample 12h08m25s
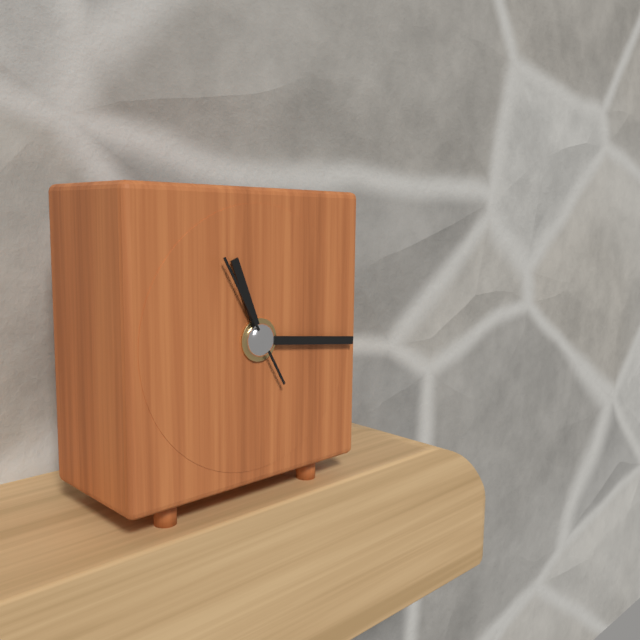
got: 11h16m55s
